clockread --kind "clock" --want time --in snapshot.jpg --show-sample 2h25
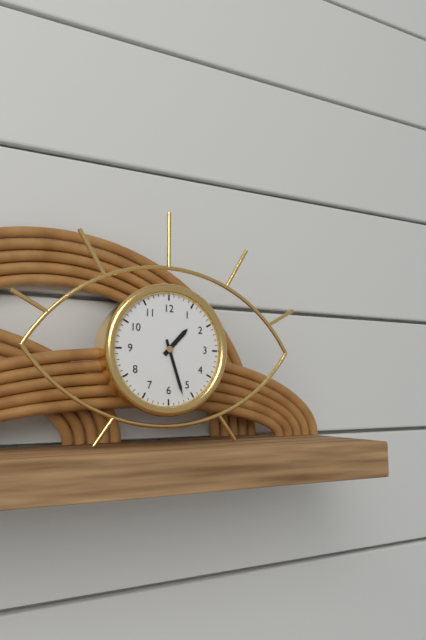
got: 1h27
